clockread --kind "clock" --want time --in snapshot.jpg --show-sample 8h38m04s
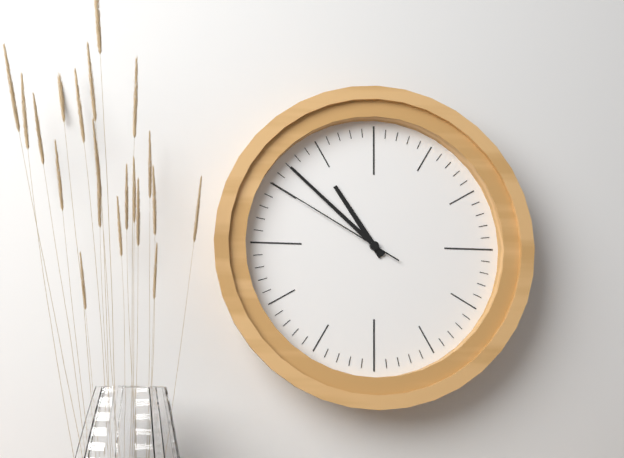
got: 10h52m50s
